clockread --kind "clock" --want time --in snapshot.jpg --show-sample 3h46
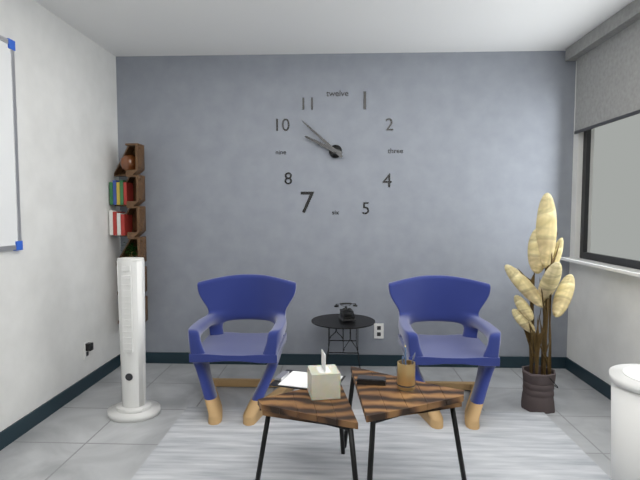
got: 9h52
